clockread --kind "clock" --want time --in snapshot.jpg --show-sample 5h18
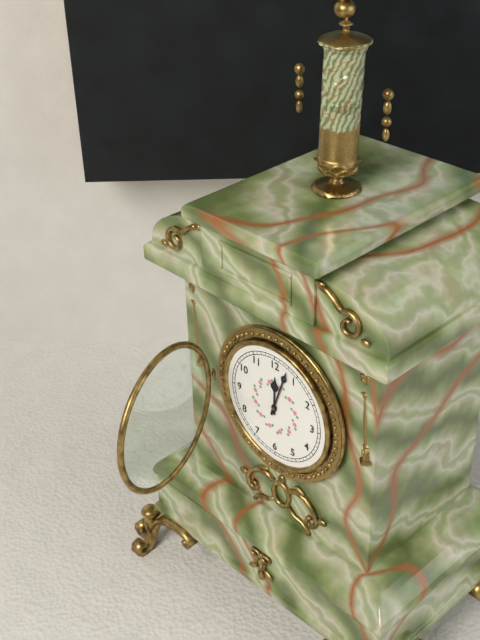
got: 12h03
